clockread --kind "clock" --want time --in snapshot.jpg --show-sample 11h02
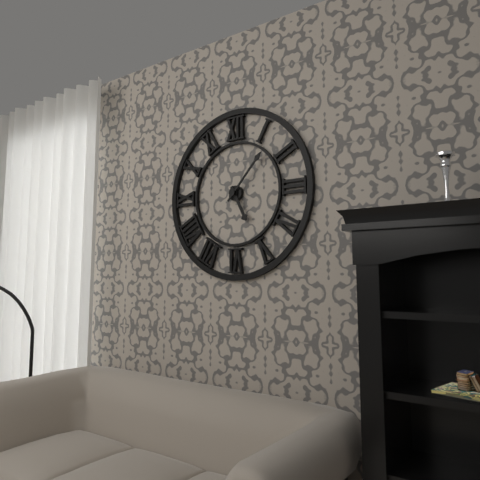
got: 5h07
